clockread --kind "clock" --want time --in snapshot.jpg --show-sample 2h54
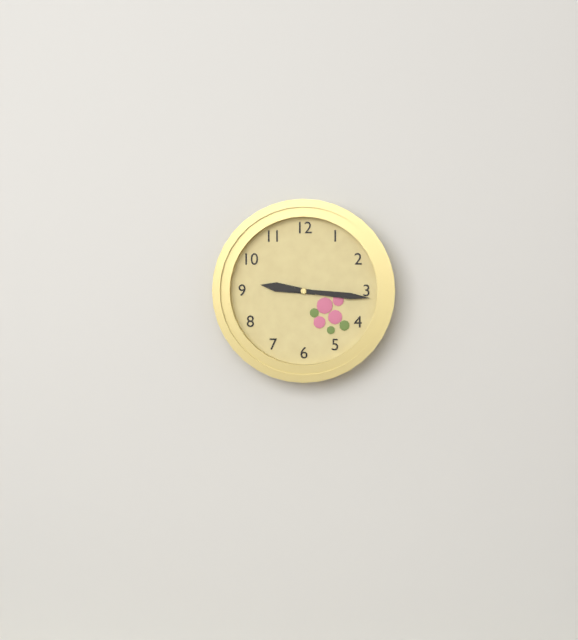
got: 9h16
